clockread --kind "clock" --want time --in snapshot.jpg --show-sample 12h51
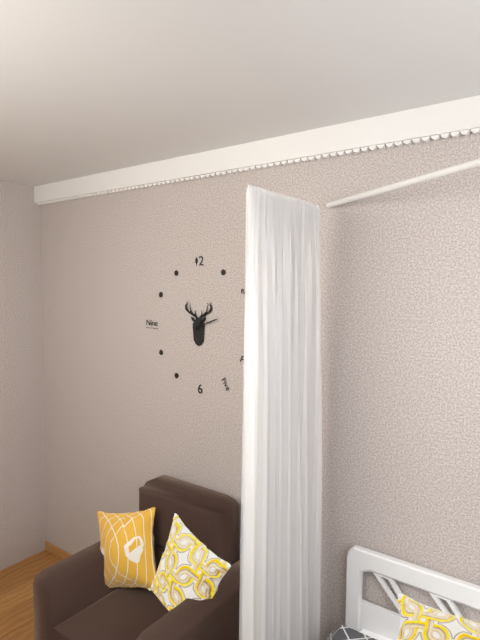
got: 1h12
